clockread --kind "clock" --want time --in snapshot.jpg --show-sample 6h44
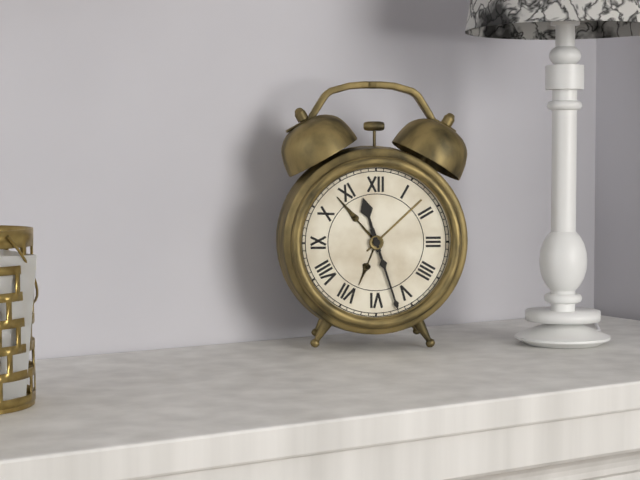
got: 11h27
